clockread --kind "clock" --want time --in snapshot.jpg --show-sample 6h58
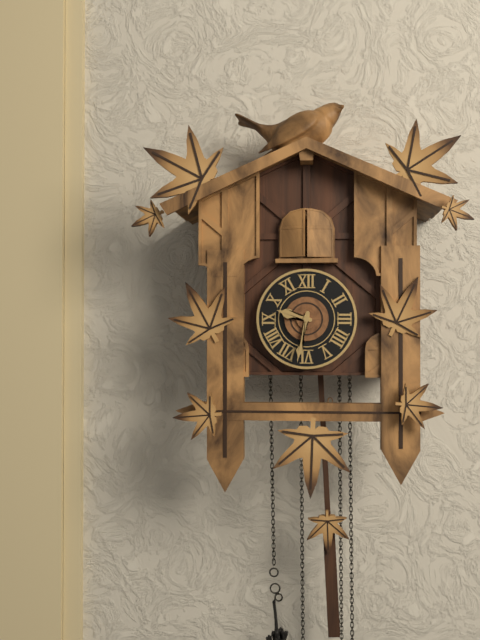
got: 9h32
